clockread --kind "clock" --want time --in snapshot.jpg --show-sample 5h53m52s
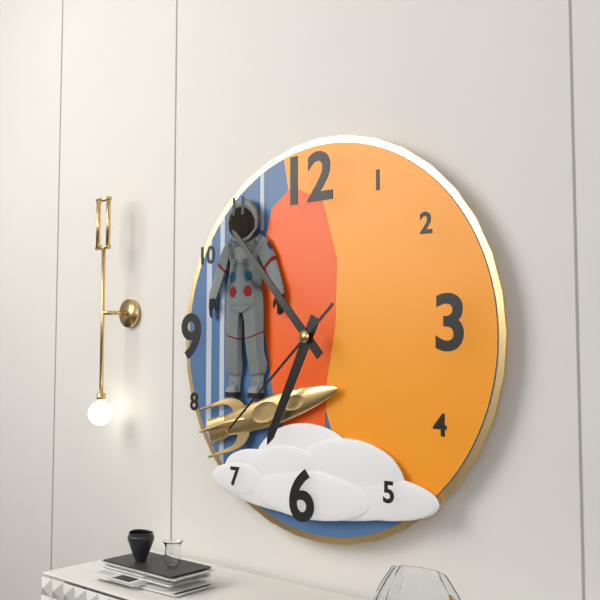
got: 6h53m38s
